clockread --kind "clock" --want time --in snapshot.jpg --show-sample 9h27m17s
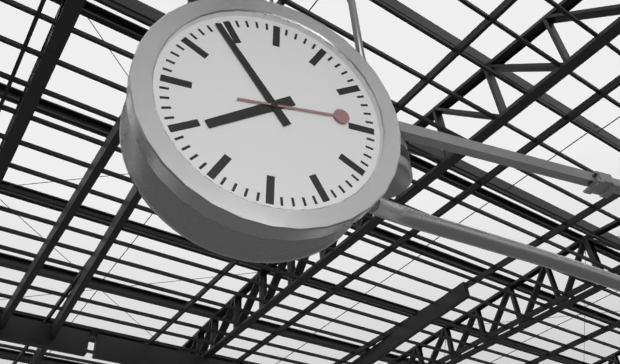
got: 7h54m14s
